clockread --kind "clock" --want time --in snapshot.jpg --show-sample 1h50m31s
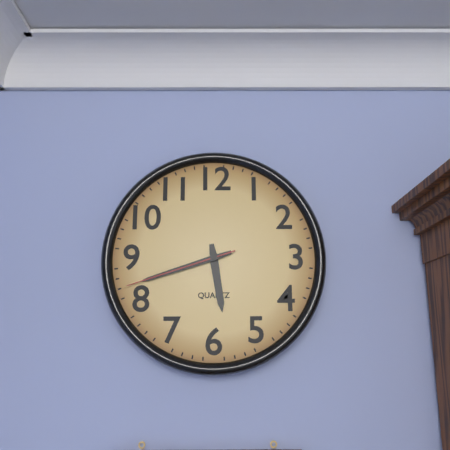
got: 5h42m42s
